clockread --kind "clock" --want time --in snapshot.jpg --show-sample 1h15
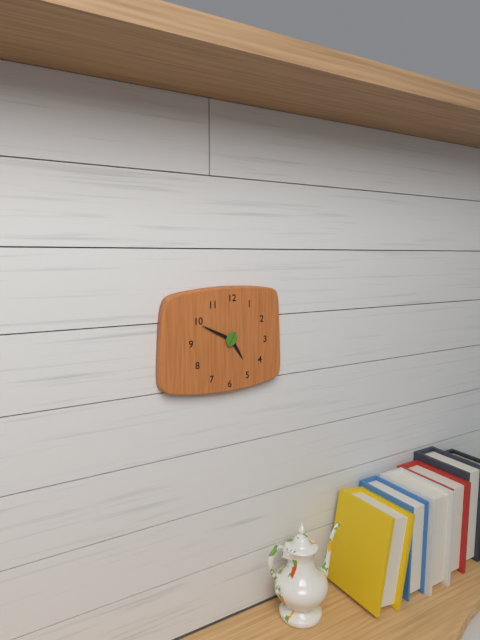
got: 4h49
